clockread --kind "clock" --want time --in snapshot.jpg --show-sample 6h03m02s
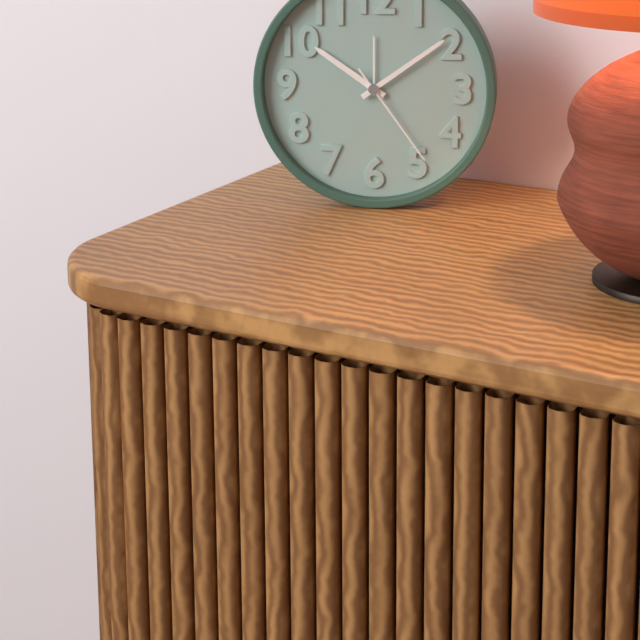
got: 10h09m24s
